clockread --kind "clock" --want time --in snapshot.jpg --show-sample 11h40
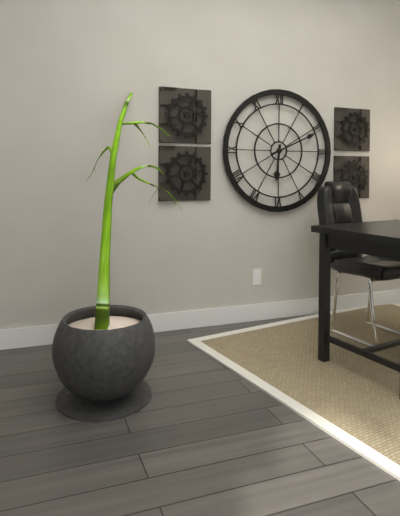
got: 6h11
